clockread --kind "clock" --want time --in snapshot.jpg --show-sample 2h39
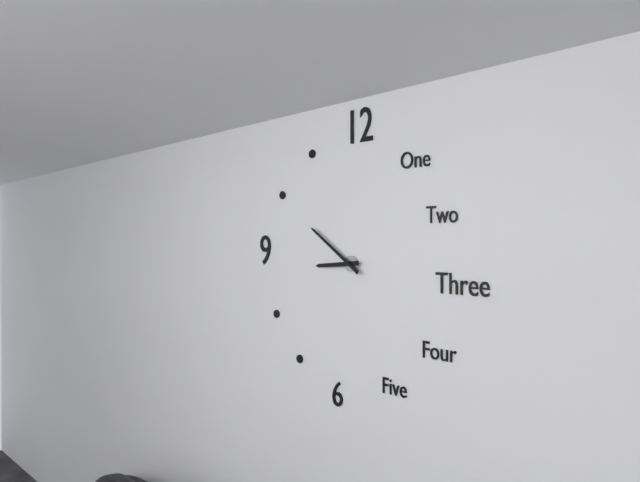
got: 8h51
